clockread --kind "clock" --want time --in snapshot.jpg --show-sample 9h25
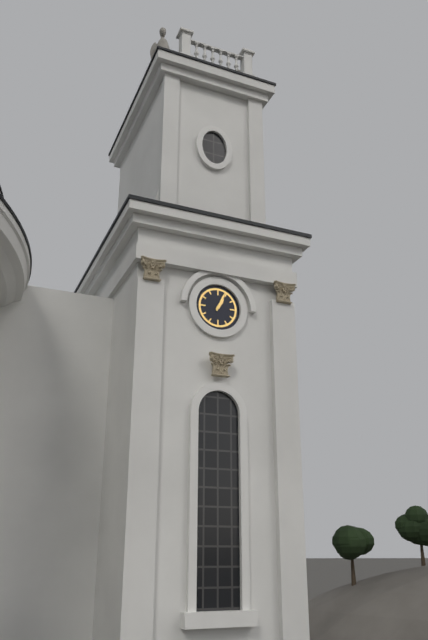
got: 1h04
